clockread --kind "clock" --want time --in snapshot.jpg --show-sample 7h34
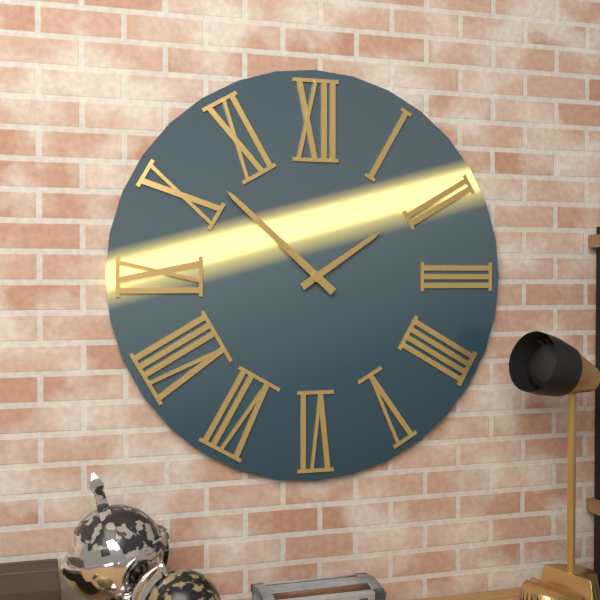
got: 1h52
